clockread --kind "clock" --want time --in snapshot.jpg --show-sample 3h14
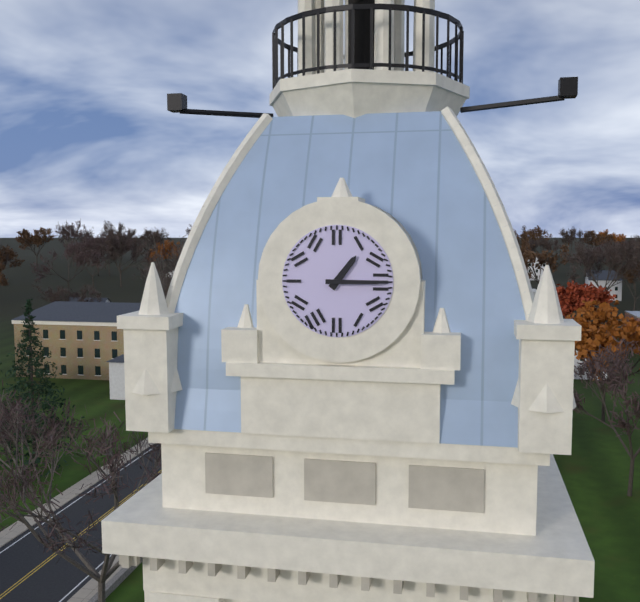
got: 1h15
